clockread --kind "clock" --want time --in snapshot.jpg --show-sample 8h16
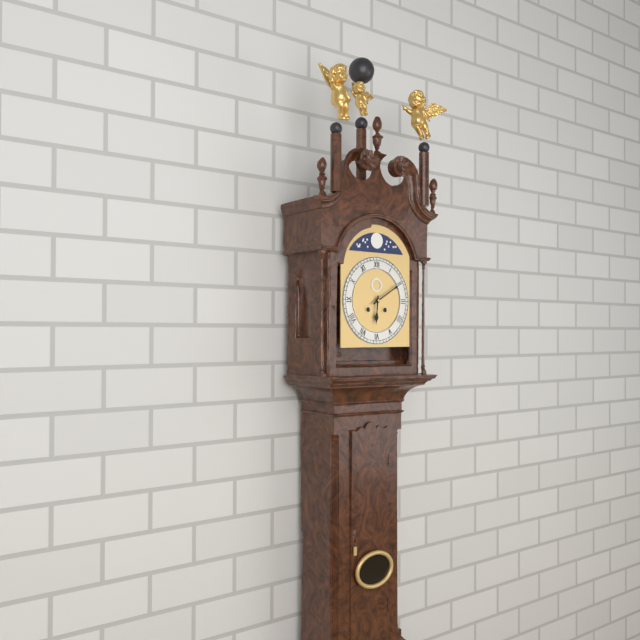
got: 6h10
